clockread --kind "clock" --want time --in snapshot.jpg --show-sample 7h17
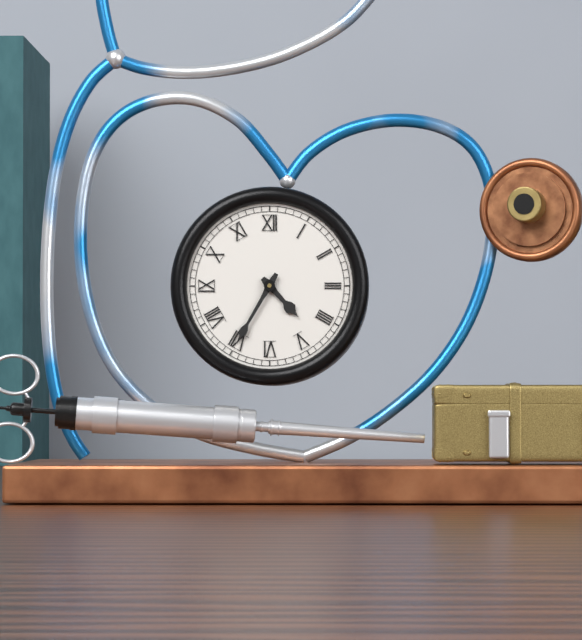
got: 4h35
